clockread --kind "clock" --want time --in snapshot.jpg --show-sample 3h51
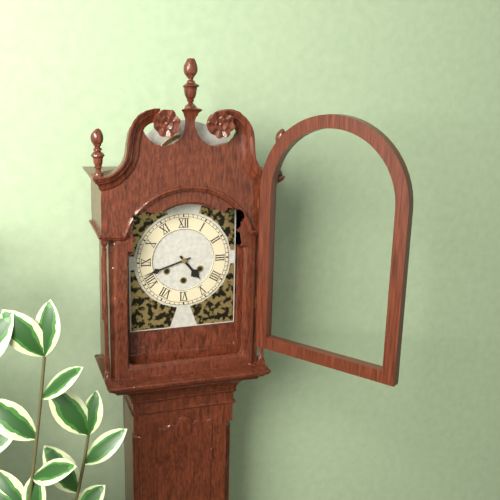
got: 4h42
